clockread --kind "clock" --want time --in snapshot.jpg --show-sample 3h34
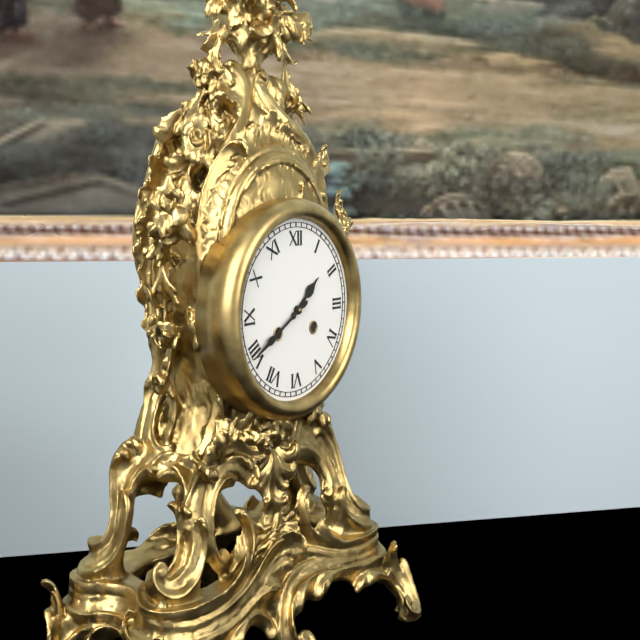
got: 1h40
